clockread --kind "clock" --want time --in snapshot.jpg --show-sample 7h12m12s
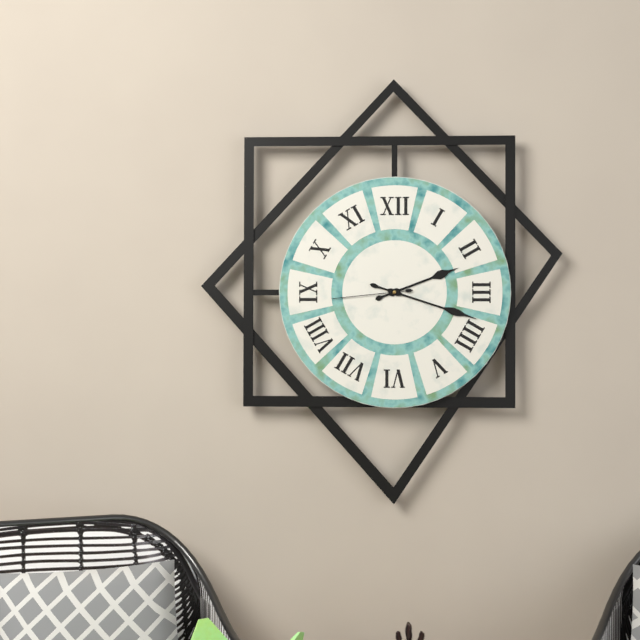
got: 2h18m44s
